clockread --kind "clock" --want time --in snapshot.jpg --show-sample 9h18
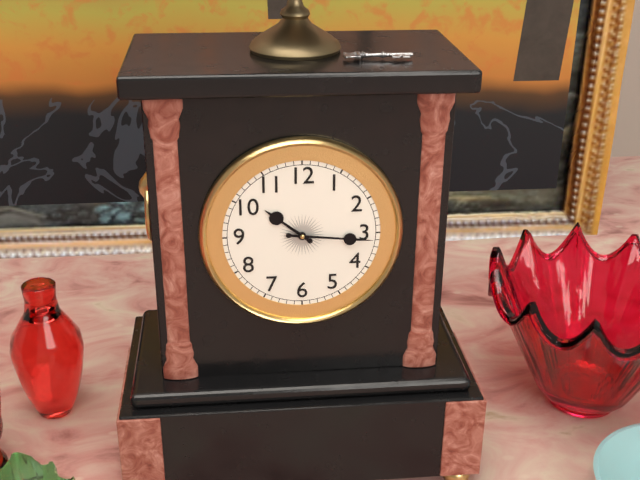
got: 10h16
